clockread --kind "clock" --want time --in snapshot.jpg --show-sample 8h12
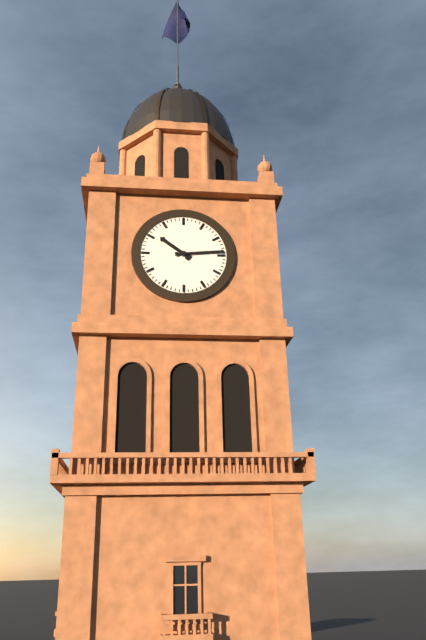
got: 10h14
